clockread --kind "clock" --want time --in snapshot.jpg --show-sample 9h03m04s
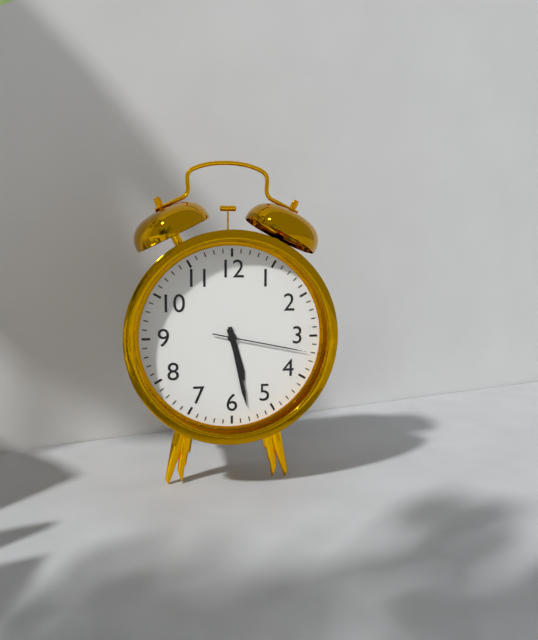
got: 5h28m17s
